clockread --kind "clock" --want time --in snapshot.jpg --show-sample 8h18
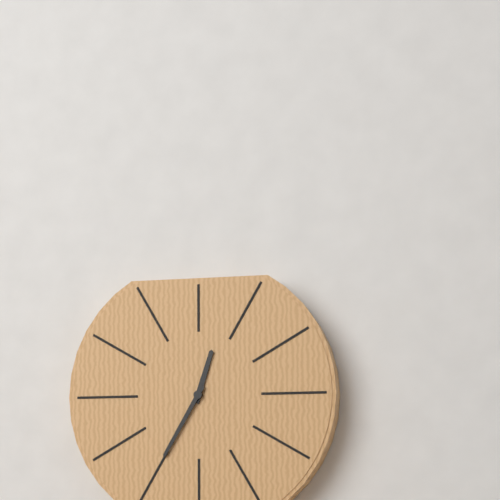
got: 12h35
